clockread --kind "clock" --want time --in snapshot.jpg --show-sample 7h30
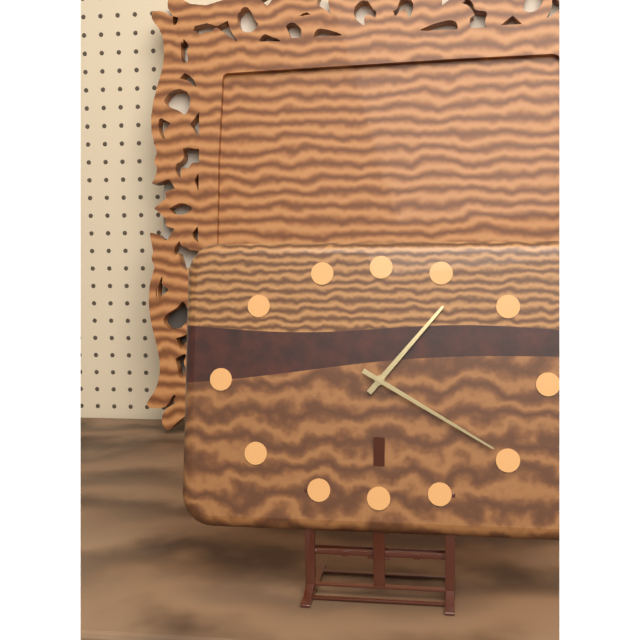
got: 1h20
